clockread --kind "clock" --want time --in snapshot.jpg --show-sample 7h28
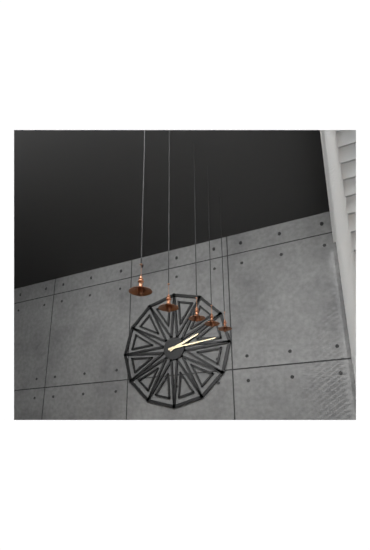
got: 2h14
